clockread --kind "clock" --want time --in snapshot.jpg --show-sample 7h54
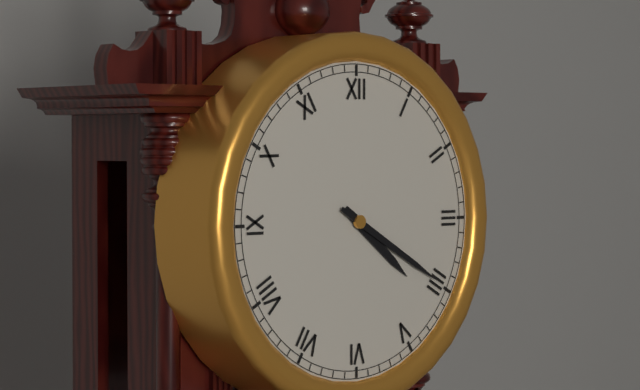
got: 4h20
